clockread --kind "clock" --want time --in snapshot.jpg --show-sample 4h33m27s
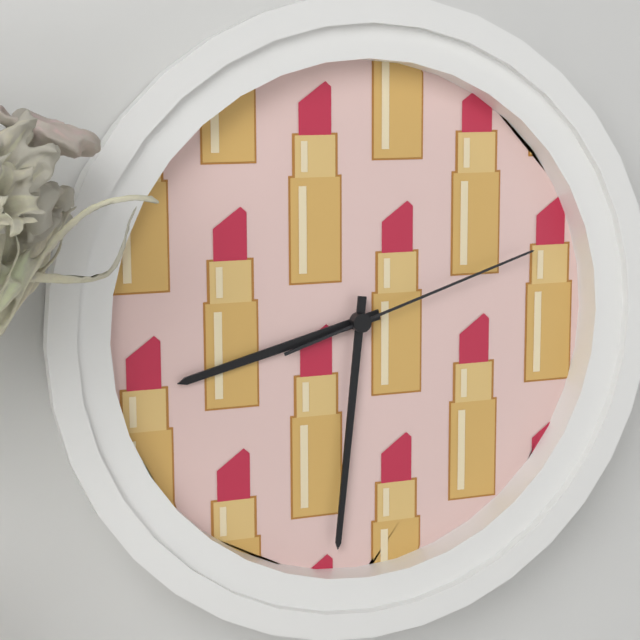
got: 8h31m12s
